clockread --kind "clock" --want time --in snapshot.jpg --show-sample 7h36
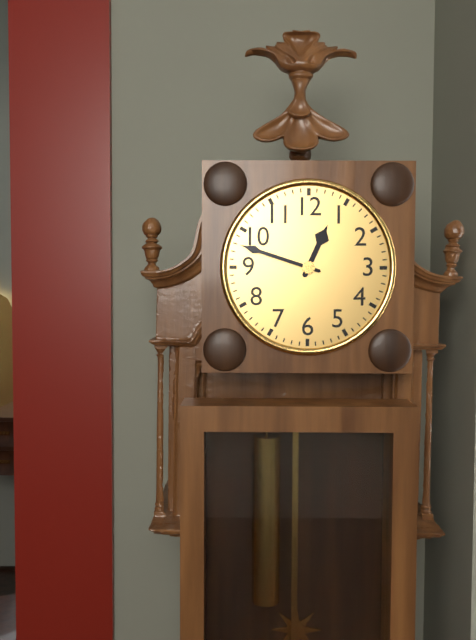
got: 12h48
